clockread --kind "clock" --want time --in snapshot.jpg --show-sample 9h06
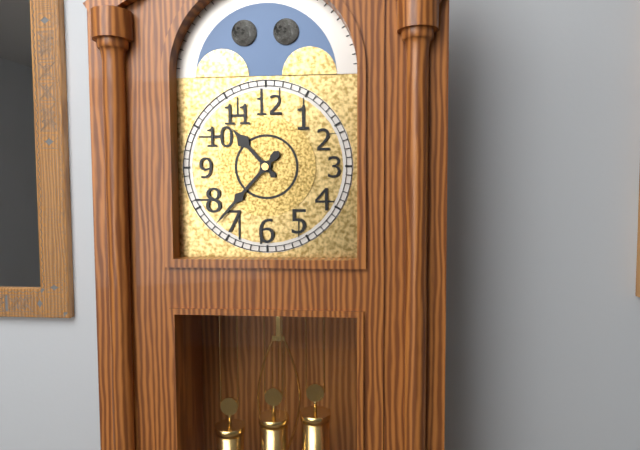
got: 10h37
